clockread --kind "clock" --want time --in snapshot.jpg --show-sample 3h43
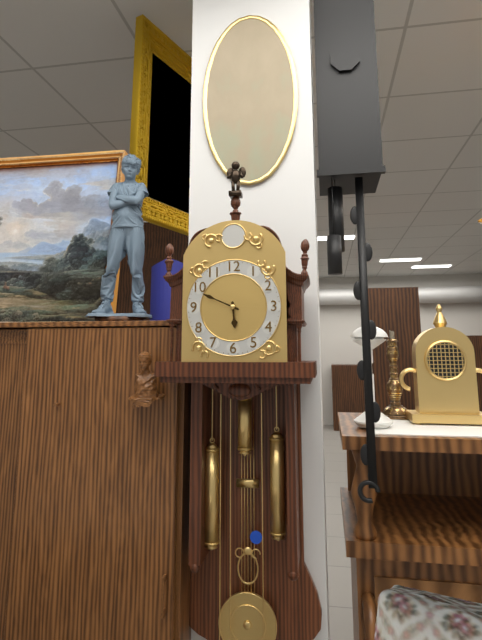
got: 5h49
